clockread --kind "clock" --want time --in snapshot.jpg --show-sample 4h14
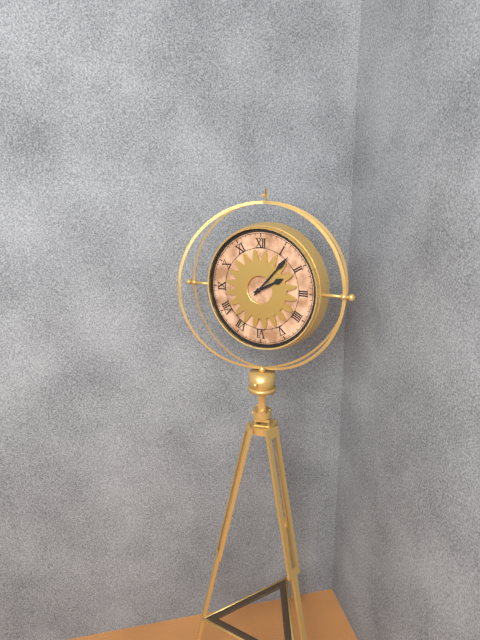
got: 2h07
